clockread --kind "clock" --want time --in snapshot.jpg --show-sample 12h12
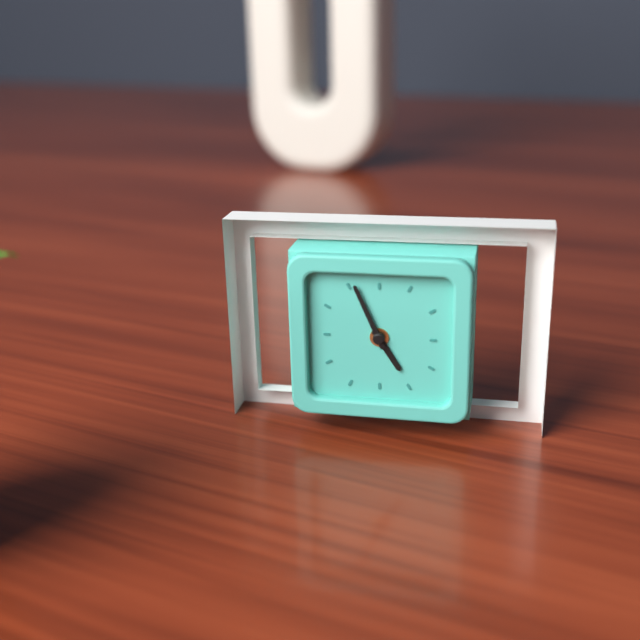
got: 4h56
